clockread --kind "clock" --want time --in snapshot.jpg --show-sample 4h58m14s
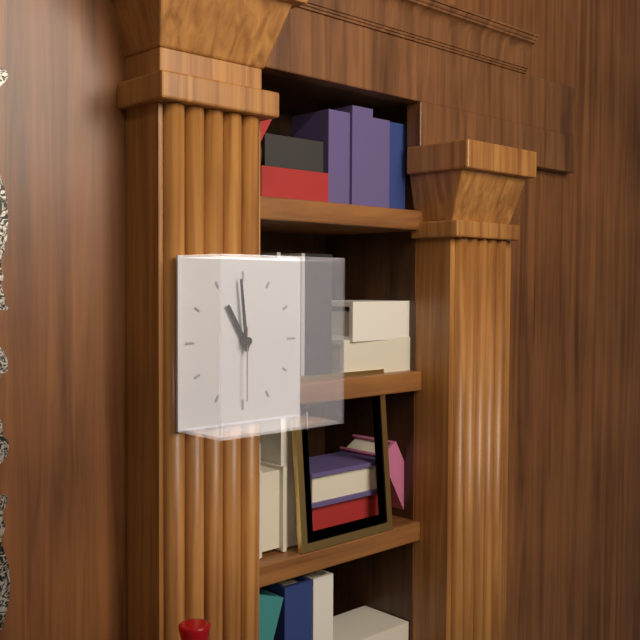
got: 10h59m30s
